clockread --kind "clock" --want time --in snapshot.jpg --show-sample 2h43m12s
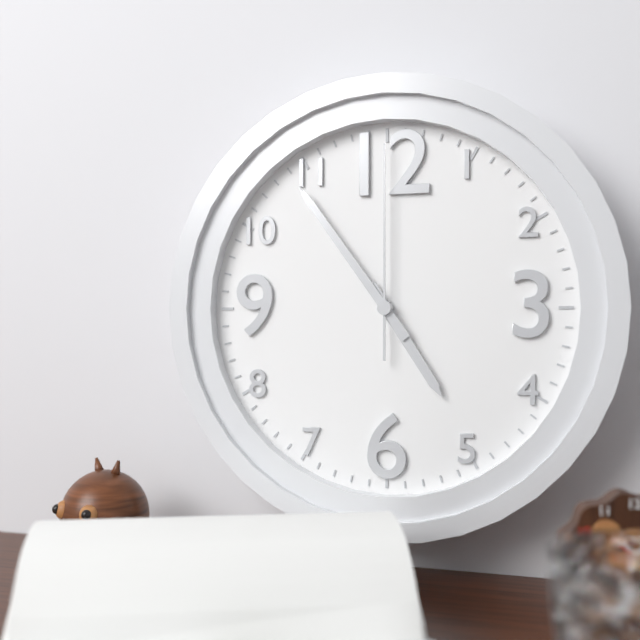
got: 4h54m00s
